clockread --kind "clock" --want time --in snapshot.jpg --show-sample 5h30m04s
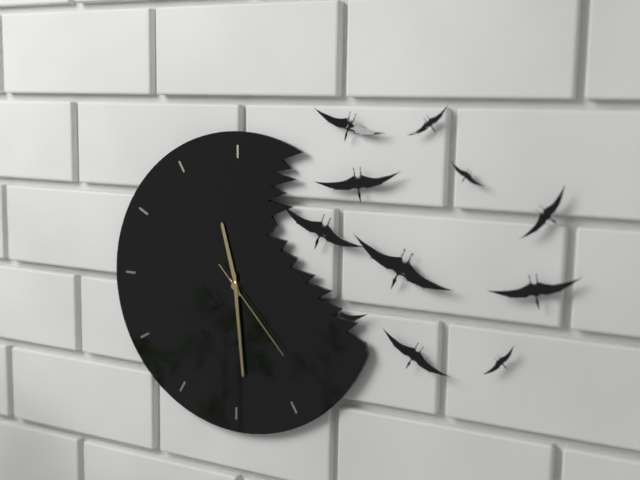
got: 11h29m23s
